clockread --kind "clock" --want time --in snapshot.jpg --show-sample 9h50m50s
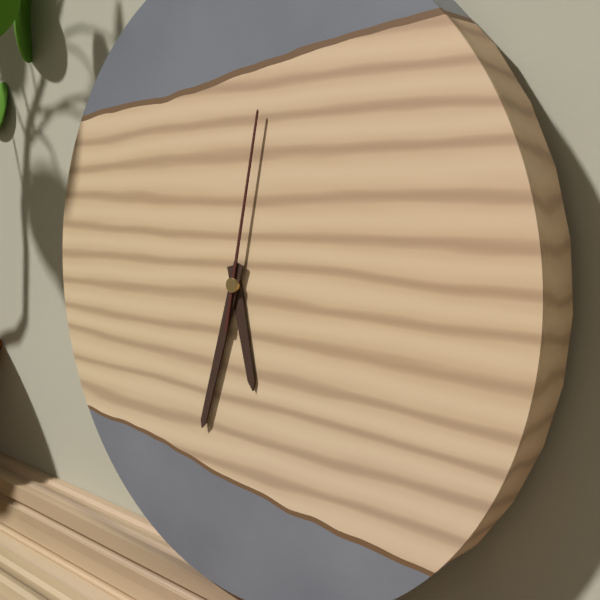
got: 5h33m02s
